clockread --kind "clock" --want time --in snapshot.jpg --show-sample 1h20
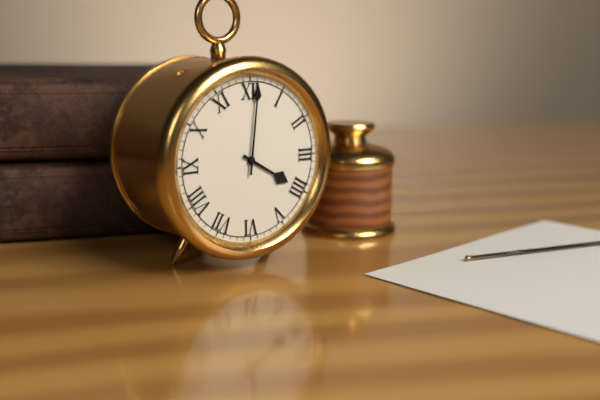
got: 4h01
